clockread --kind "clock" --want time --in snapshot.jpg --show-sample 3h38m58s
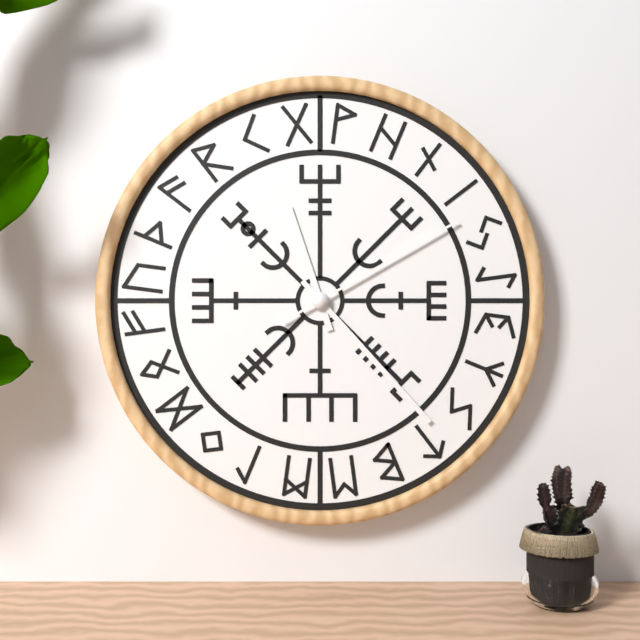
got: 11h23m10s
